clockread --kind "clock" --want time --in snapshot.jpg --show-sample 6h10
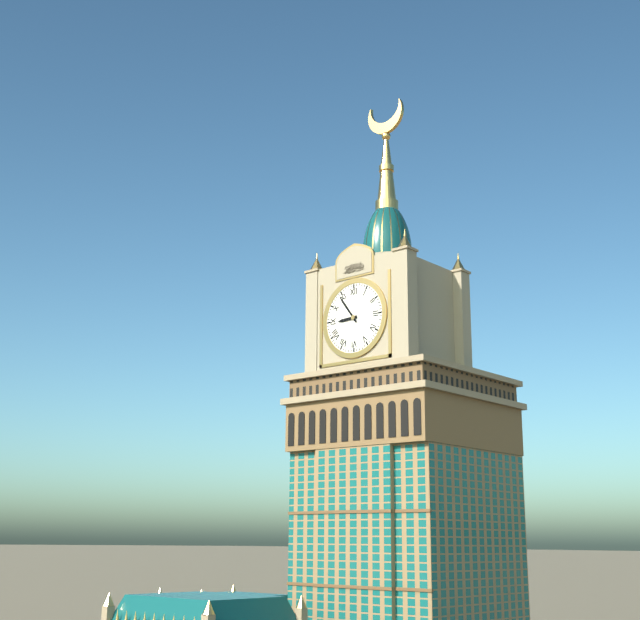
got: 8h54
